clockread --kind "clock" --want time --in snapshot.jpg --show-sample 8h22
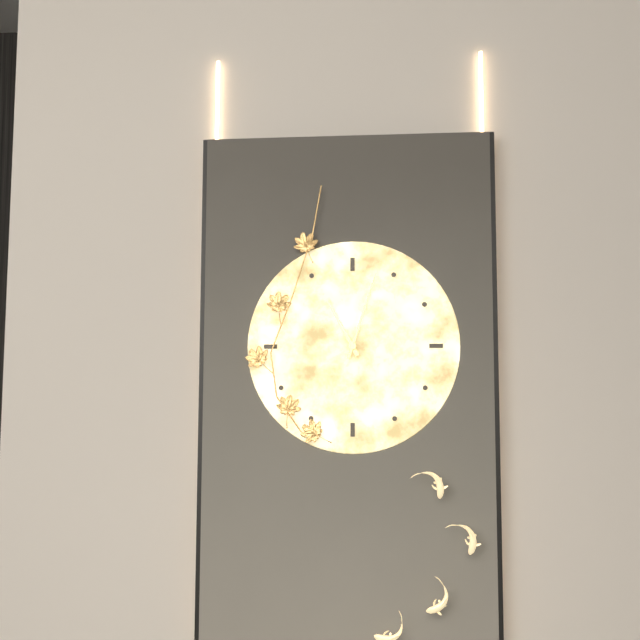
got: 11h03
